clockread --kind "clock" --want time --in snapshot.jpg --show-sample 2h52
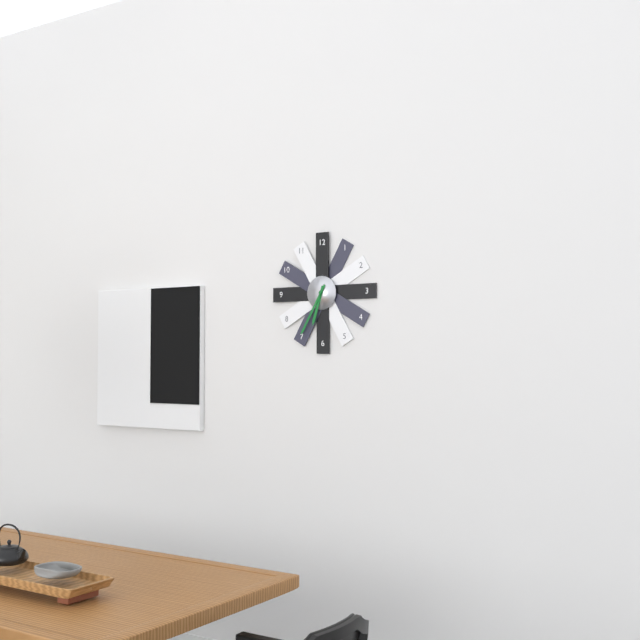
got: 6h35
